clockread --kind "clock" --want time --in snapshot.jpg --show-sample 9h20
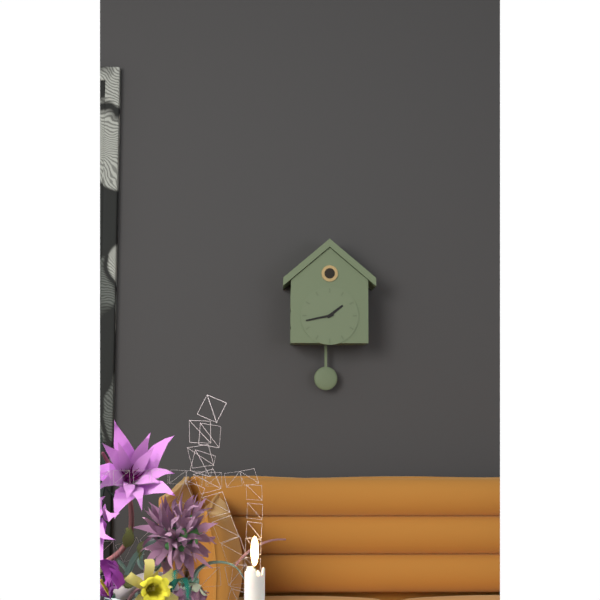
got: 1h43
